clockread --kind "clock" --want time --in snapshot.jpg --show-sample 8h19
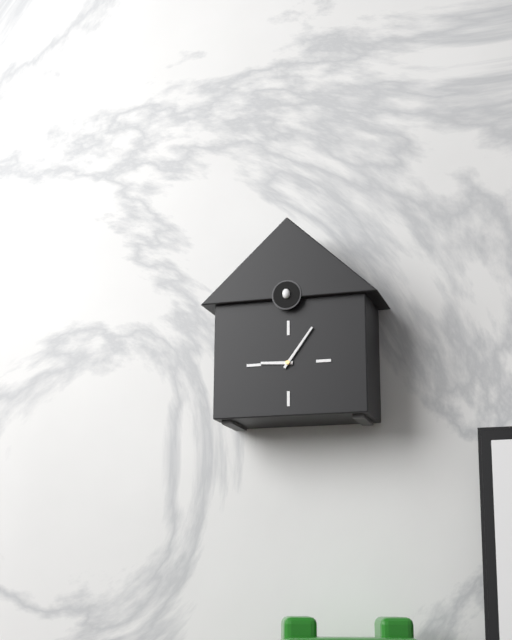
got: 9h06
